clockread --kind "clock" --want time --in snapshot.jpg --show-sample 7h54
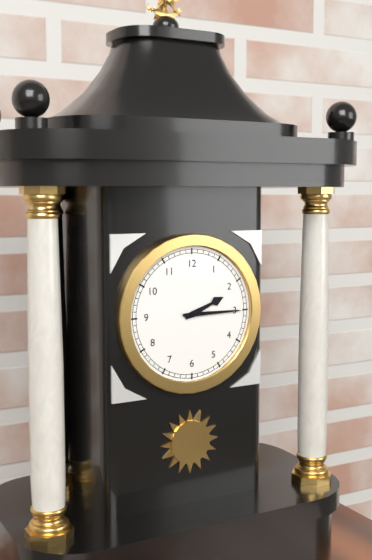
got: 2h15
